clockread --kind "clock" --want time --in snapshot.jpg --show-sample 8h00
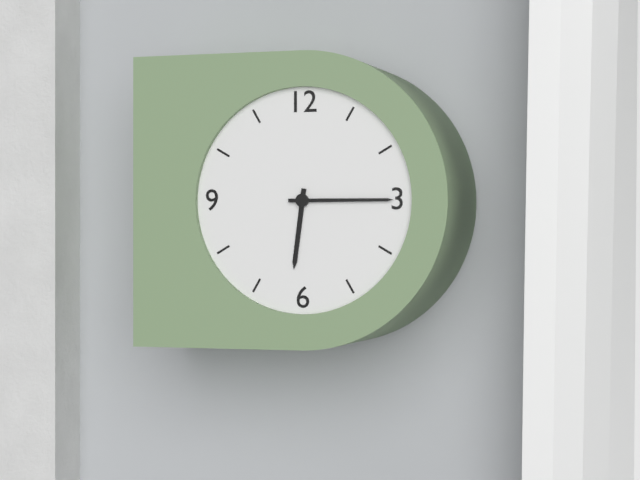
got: 6h15
